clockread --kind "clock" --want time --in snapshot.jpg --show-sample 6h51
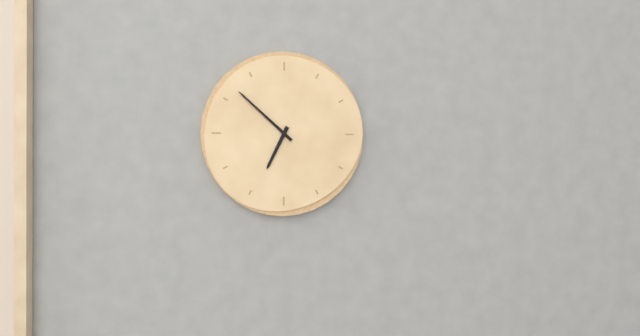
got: 6h52
